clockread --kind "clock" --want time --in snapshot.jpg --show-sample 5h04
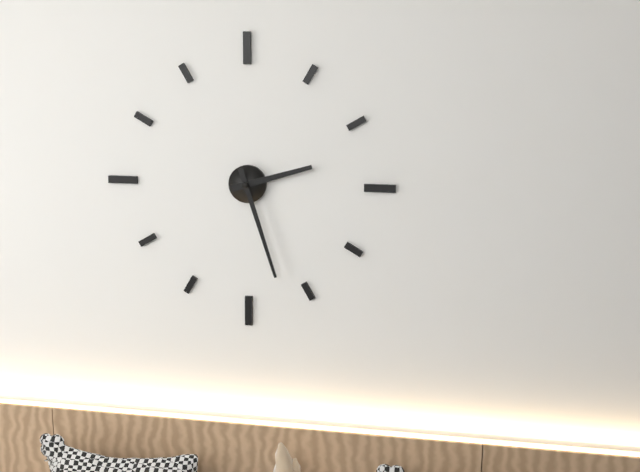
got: 2h27
